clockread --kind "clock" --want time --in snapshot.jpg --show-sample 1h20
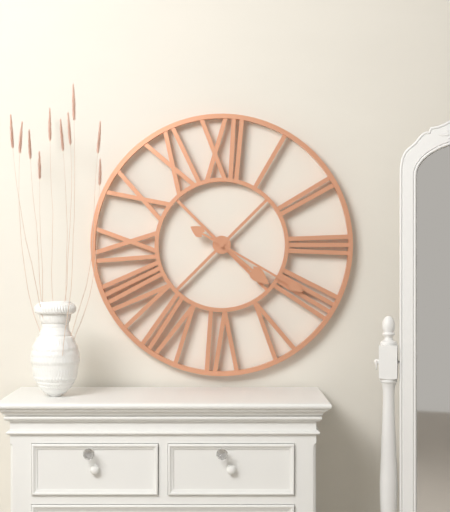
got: 4h20
